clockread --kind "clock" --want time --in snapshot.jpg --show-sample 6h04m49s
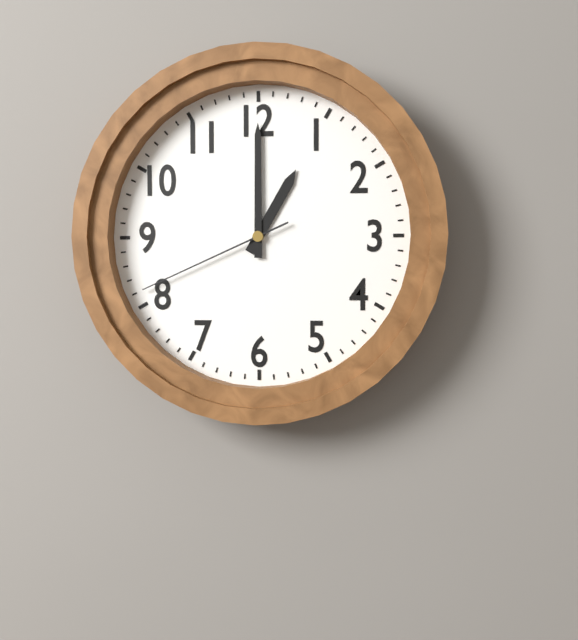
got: 1h00m41s
